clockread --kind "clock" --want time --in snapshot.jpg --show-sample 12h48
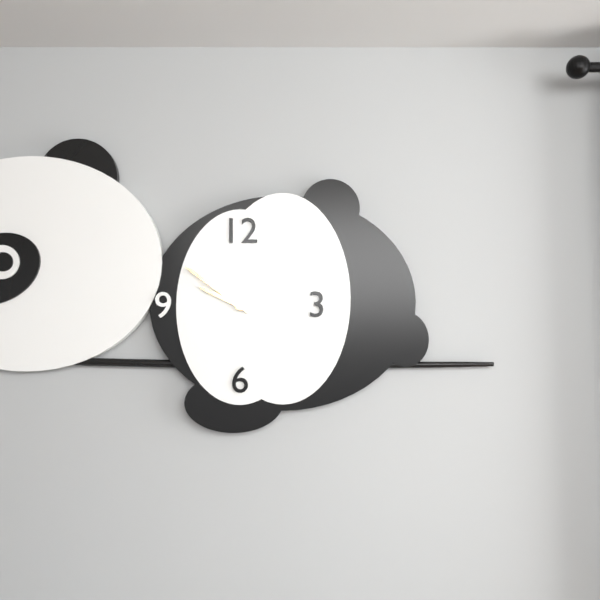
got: 9h51
